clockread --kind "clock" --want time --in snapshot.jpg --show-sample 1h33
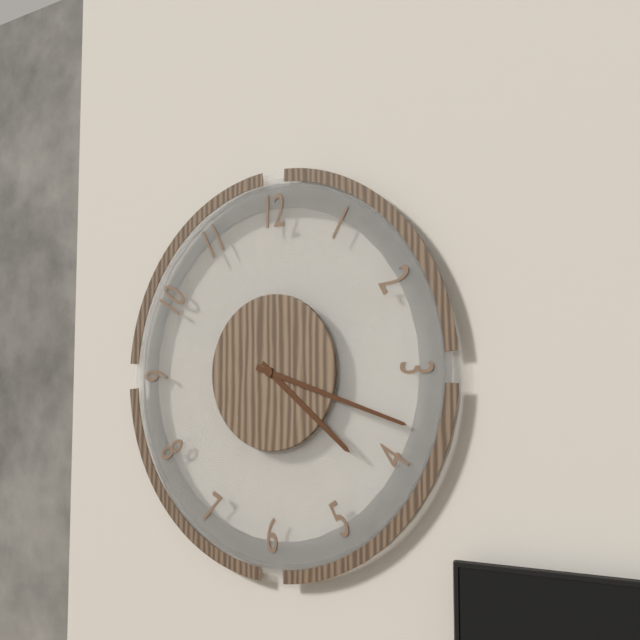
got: 4h18
